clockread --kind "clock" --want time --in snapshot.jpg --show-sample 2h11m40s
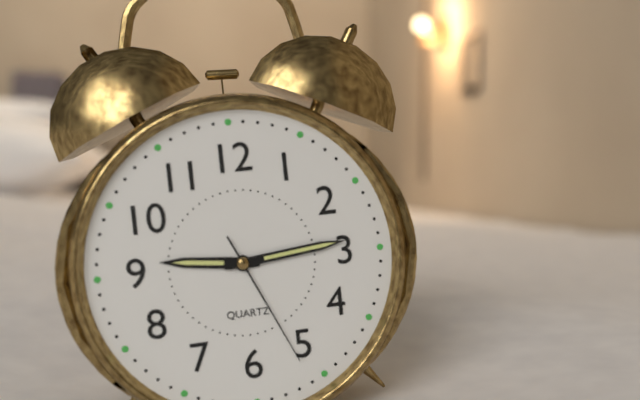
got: 9h14m26s
